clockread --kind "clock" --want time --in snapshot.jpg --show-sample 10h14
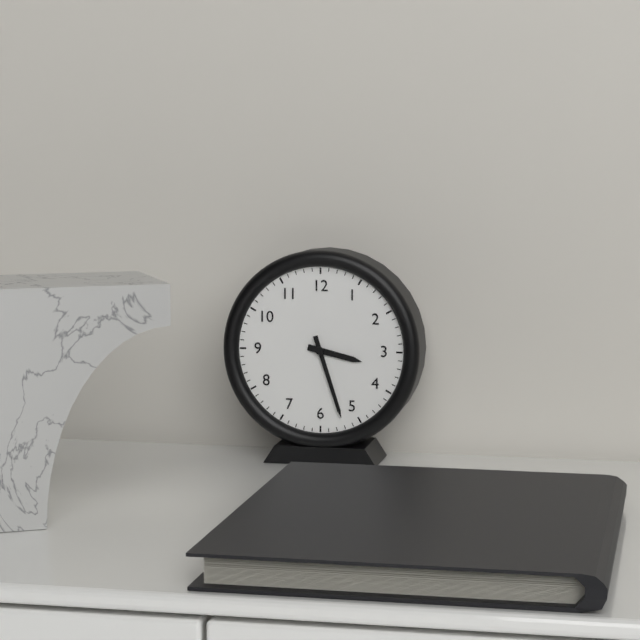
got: 3h27
